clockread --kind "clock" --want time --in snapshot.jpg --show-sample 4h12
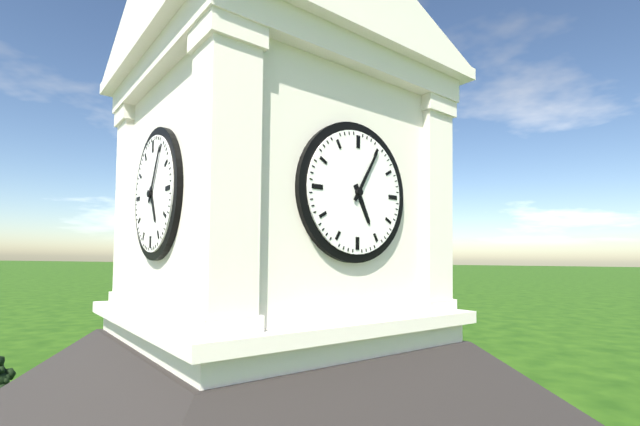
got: 5h05
